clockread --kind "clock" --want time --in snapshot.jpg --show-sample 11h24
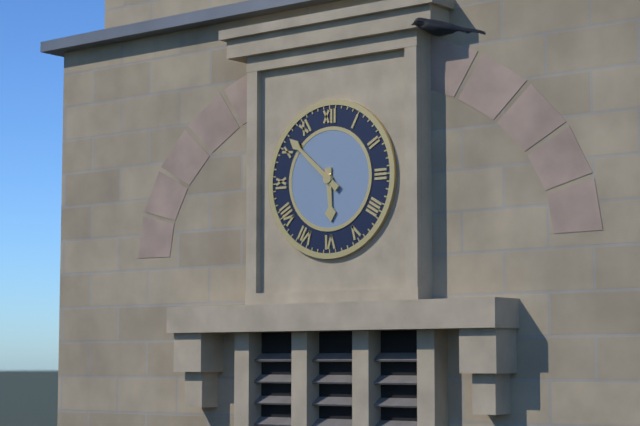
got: 5h52
